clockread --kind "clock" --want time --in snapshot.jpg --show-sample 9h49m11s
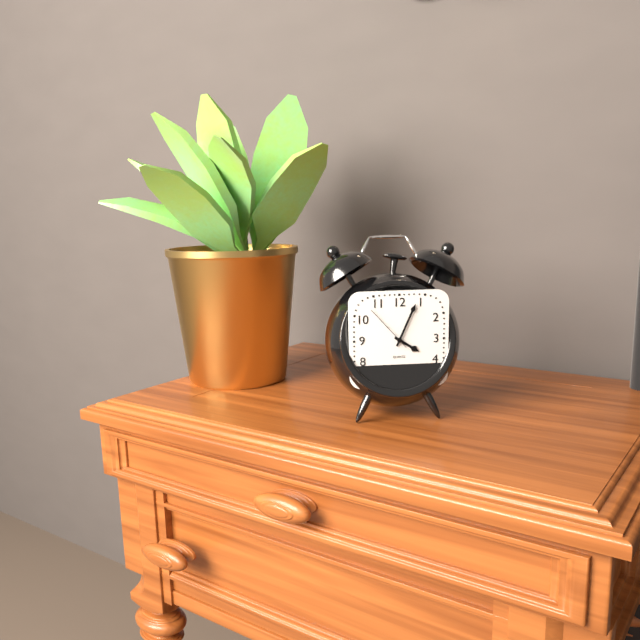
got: 4h04m53s
